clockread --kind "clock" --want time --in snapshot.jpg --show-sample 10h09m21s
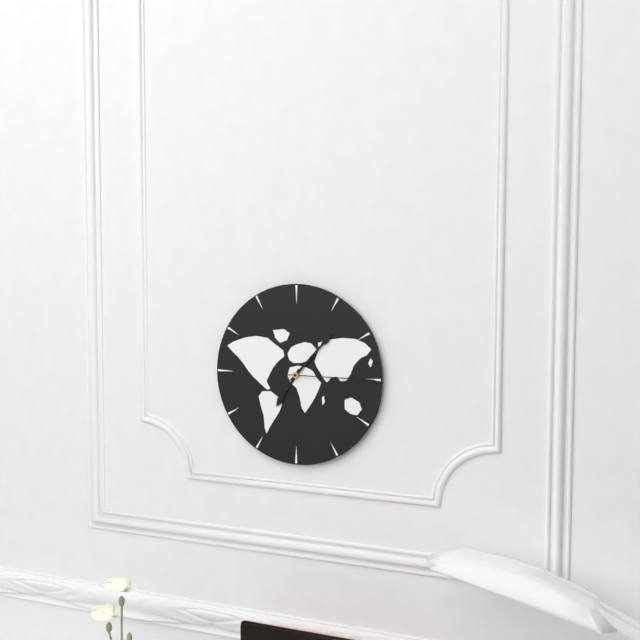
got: 7h07m15s
